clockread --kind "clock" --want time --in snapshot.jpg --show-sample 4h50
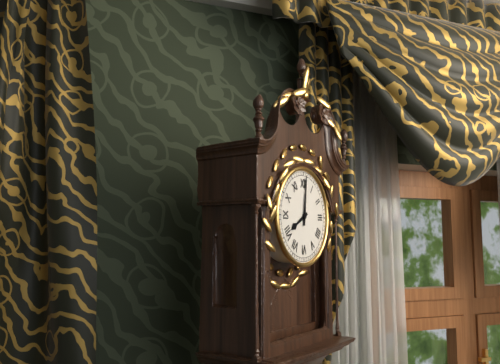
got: 8h01
